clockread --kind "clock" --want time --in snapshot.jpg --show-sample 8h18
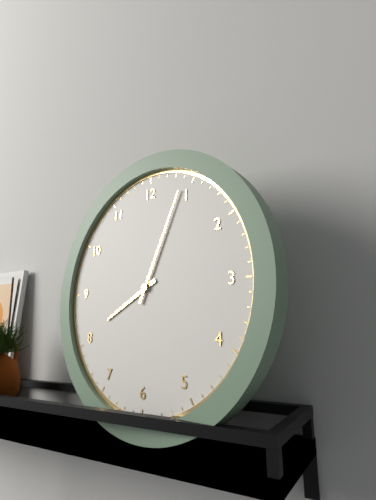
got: 8h04
